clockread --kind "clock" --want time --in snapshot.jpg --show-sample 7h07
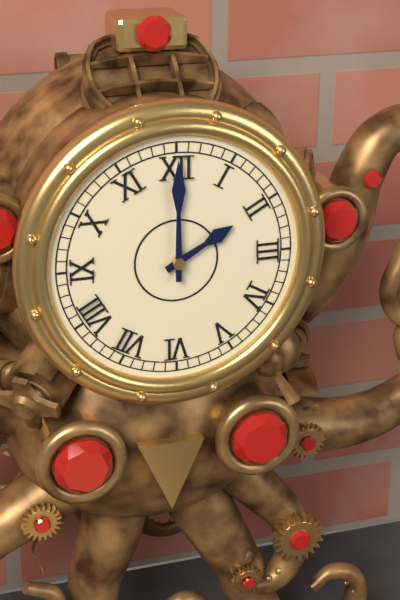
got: 2h00
